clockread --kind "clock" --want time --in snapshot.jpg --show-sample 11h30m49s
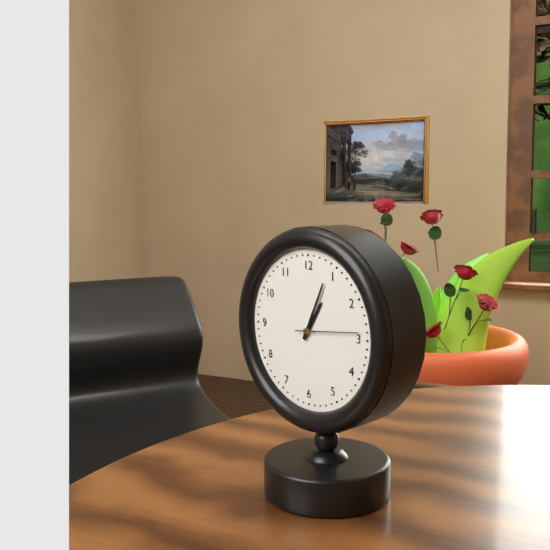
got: 1h04m14s
